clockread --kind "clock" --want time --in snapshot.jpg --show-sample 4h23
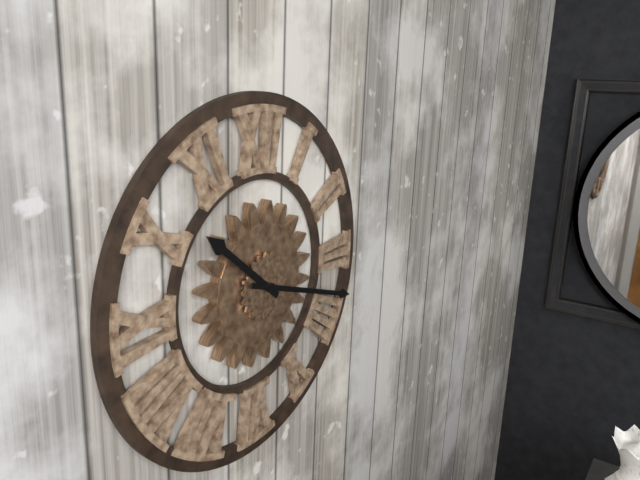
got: 10h18
